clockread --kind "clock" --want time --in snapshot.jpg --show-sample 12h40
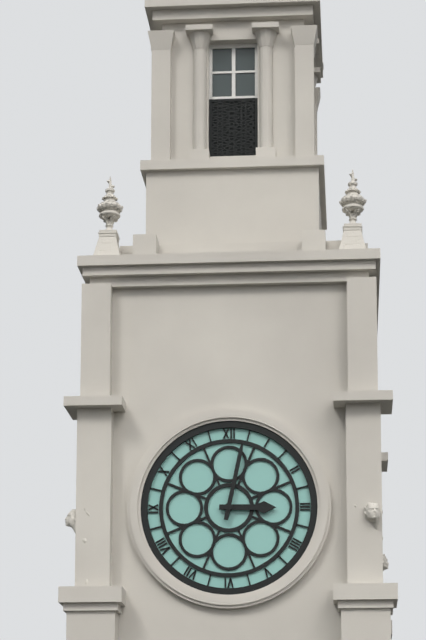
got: 3h02
